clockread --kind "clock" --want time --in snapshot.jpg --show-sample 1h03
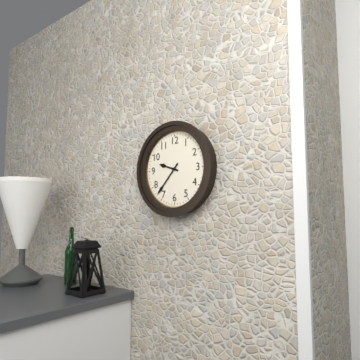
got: 9h37
